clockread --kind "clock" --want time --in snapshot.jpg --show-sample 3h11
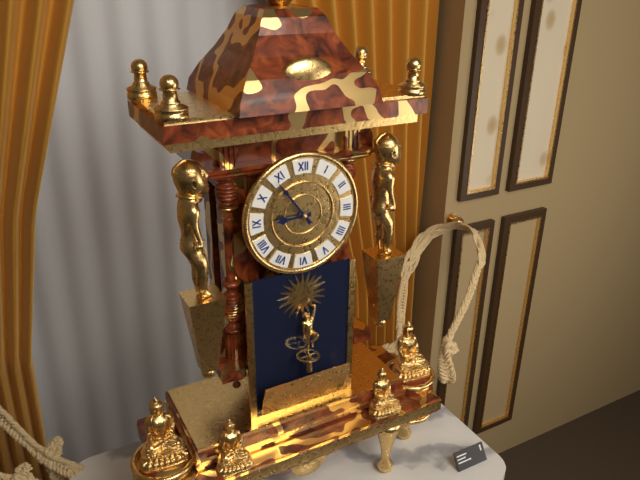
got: 8h54
